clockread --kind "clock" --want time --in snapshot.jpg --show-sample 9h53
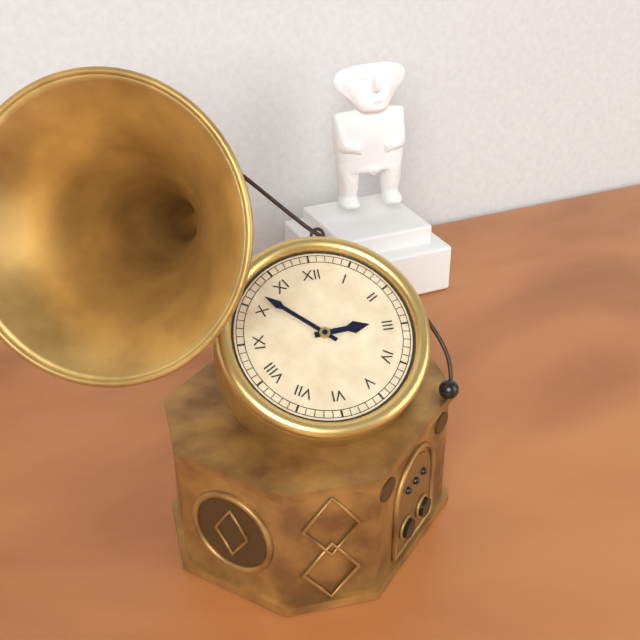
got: 2h52
